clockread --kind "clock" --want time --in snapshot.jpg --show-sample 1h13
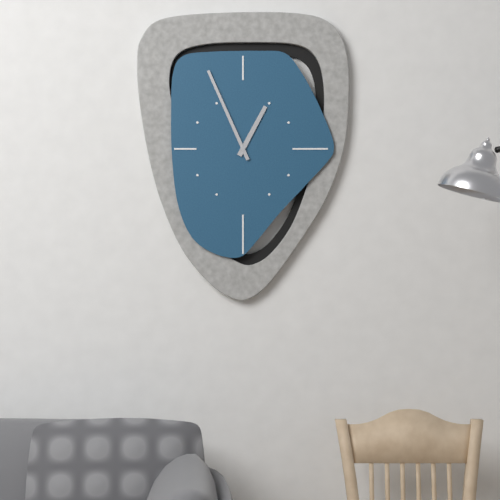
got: 12h56
